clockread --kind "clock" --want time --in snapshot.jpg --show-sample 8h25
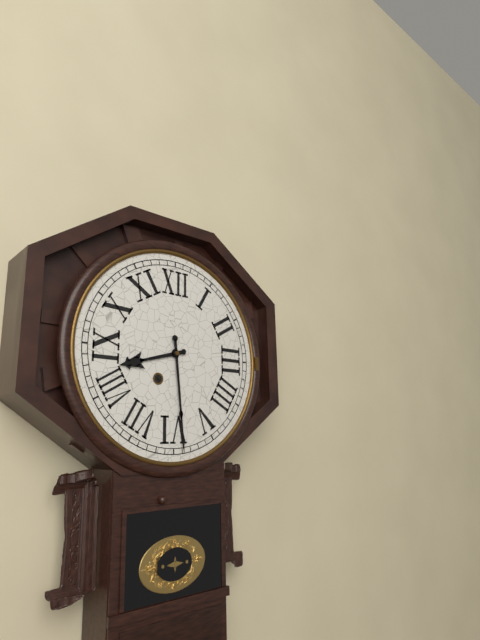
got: 8h29
